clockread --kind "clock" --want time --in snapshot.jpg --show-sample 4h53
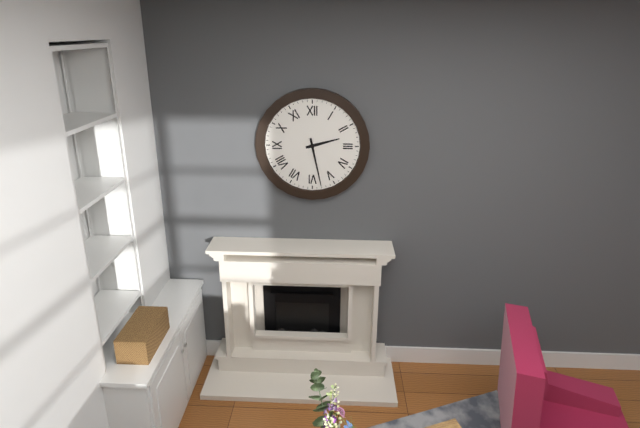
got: 2h28
